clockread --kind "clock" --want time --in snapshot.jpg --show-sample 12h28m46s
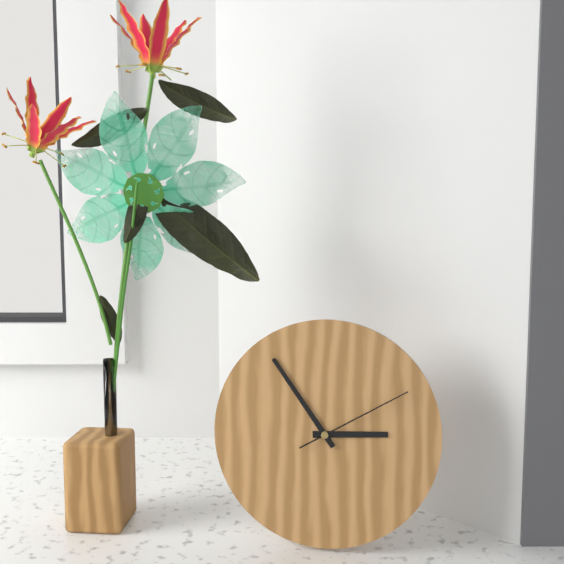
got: 2h54m10s
